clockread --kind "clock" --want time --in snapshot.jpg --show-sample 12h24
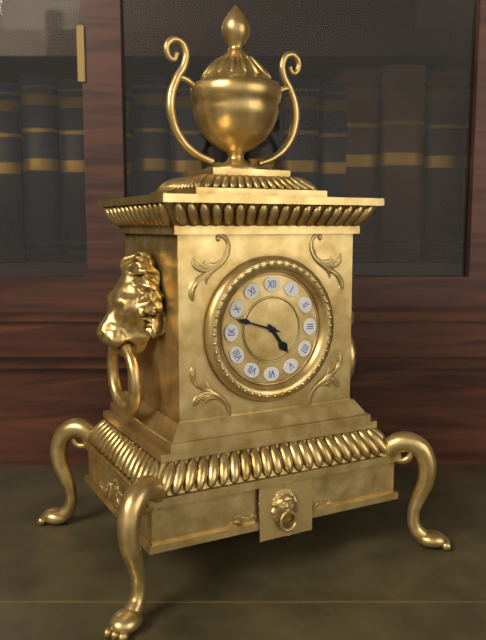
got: 4h48
